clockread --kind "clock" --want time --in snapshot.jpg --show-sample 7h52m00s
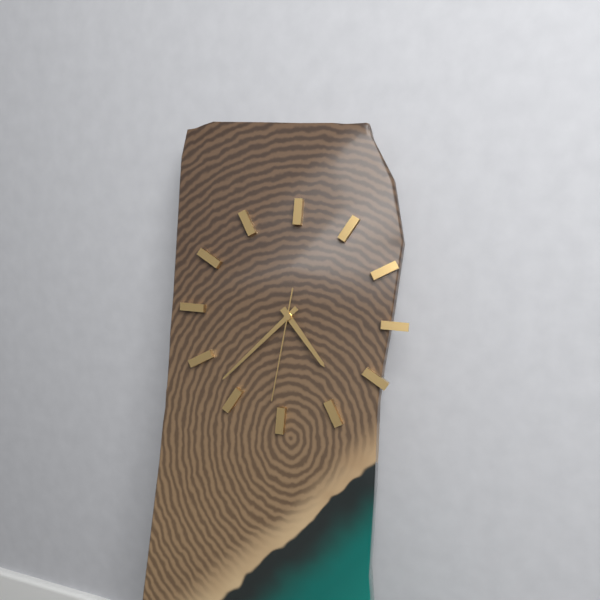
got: 4h37m31s
